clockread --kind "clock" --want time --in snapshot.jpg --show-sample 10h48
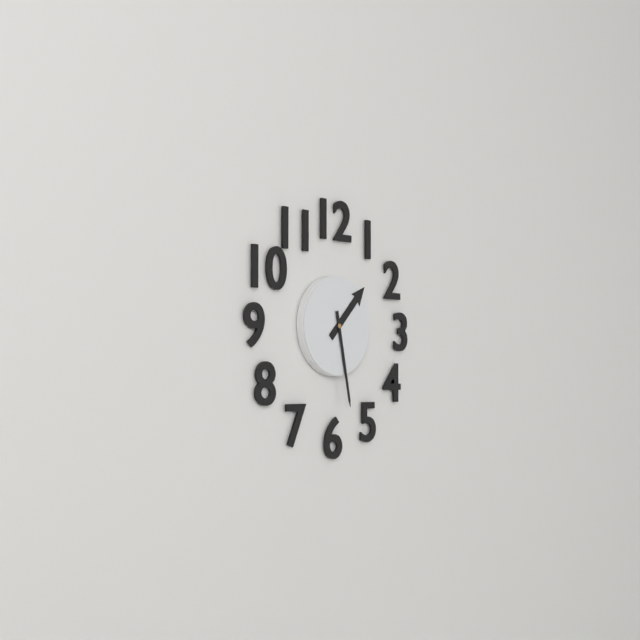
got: 1h28
